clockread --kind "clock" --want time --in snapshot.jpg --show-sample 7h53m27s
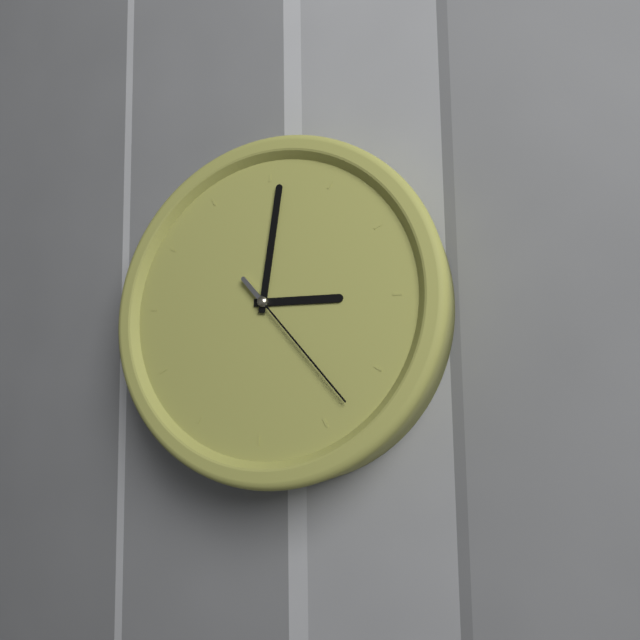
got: 3h01m23s
